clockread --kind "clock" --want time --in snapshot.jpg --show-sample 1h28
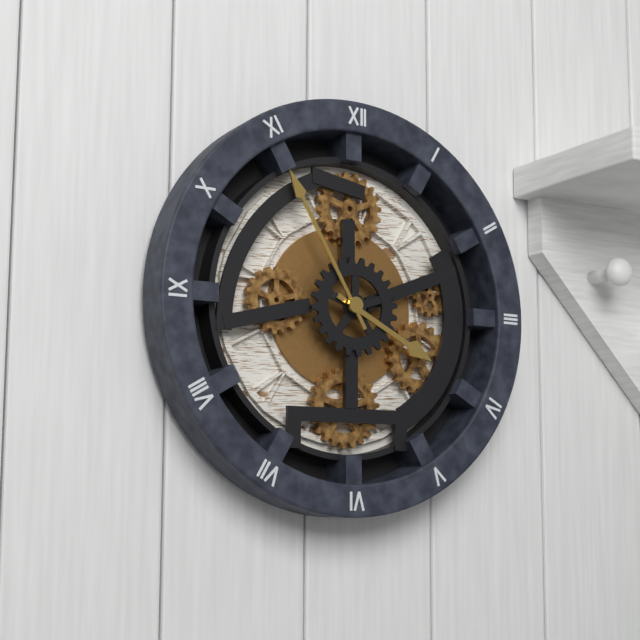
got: 3h55
